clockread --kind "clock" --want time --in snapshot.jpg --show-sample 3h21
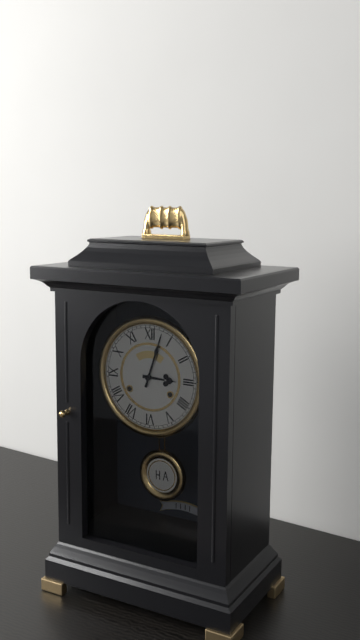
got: 3h03
